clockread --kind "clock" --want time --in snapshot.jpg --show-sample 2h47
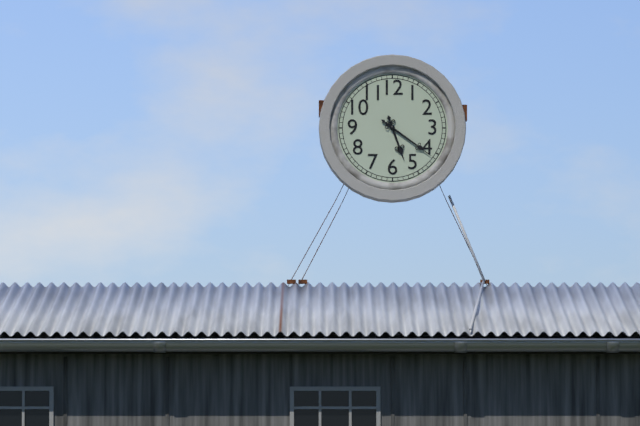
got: 5h21
